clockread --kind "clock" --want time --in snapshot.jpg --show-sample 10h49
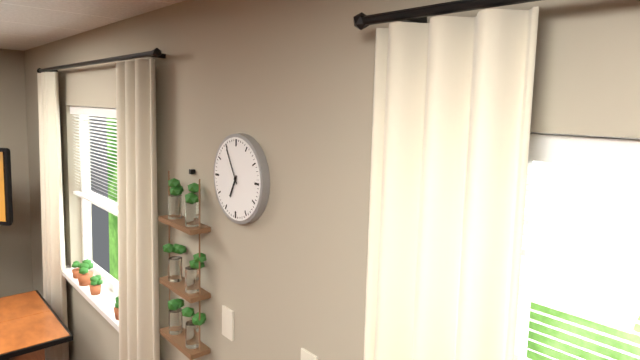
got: 6h55
